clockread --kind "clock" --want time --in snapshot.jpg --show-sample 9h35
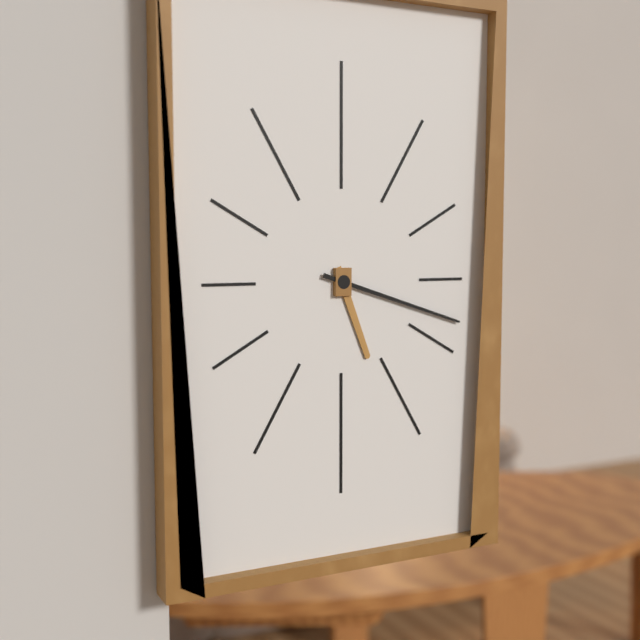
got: 5h18
